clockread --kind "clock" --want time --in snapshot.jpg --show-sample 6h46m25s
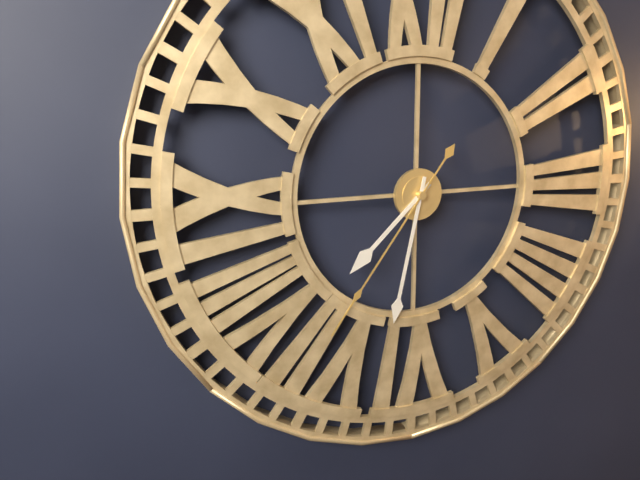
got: 7h32m36s
